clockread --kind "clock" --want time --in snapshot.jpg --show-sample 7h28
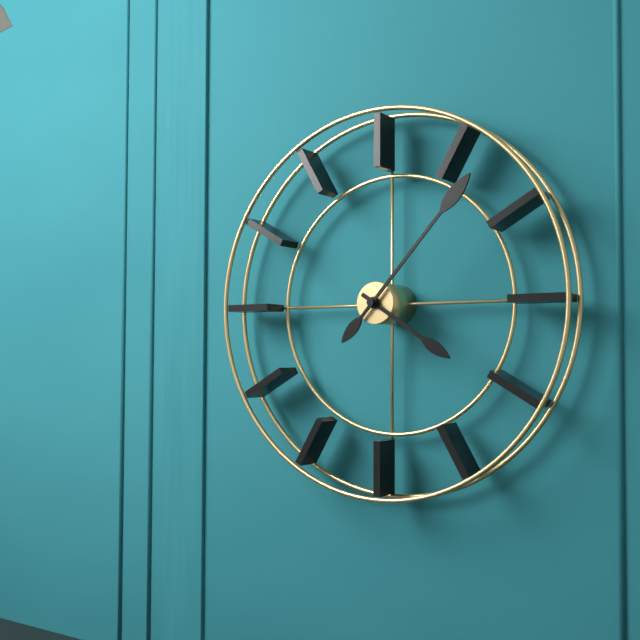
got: 4h07
